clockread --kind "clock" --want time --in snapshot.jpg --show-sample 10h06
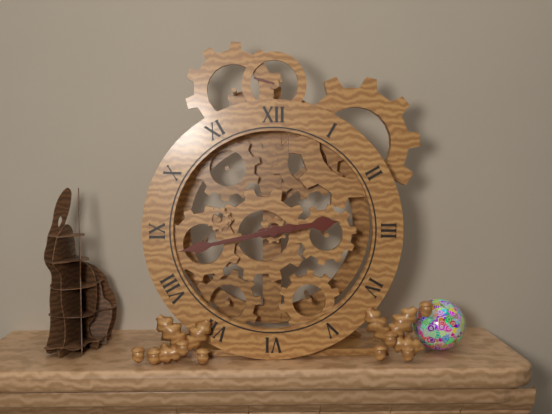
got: 2h43
